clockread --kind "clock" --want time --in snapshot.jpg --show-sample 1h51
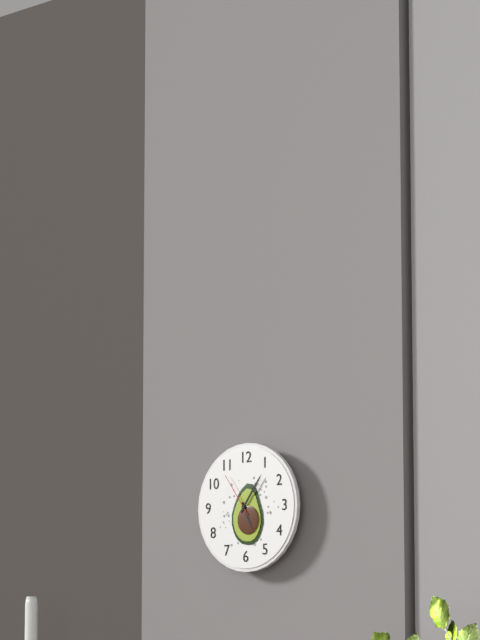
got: 5h06
